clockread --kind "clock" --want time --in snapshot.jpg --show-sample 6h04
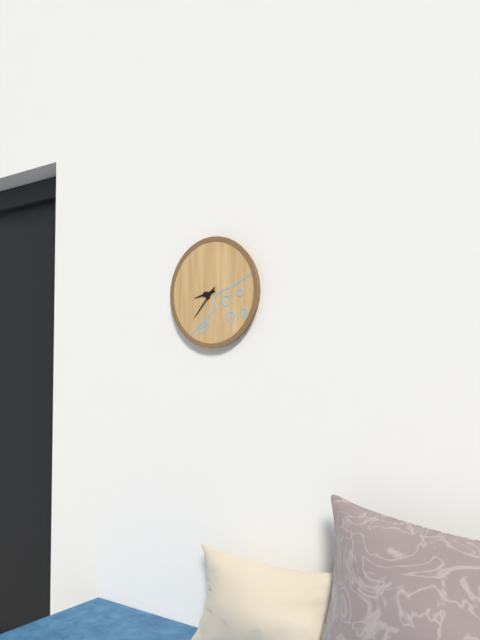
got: 8h37
